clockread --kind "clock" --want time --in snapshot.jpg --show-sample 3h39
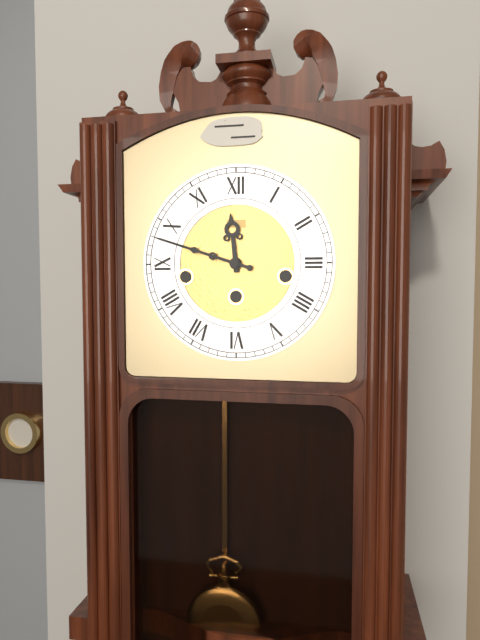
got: 11h48
